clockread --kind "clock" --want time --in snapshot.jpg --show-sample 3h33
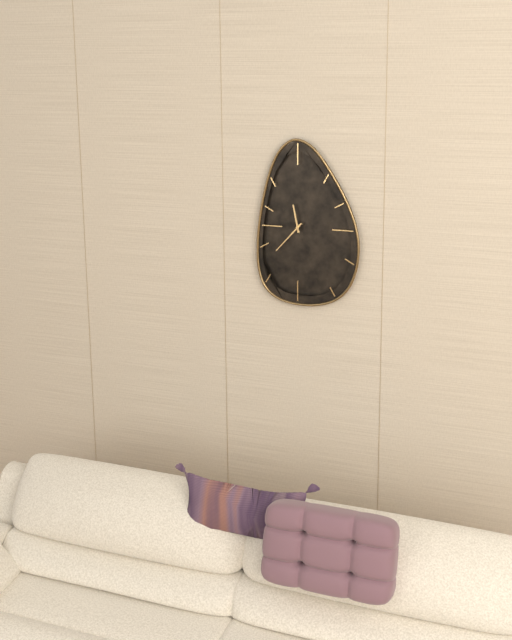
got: 11h37
